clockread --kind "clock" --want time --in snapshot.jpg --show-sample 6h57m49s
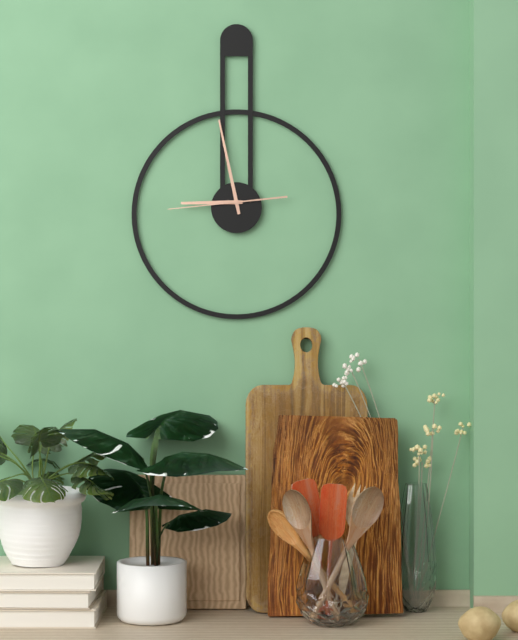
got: 8h58m44s
